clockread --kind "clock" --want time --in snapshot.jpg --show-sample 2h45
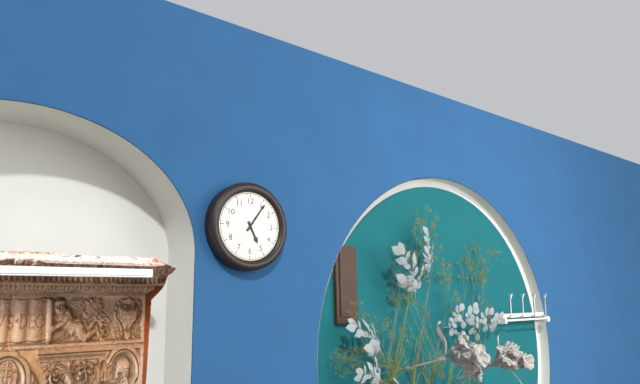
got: 5h06
